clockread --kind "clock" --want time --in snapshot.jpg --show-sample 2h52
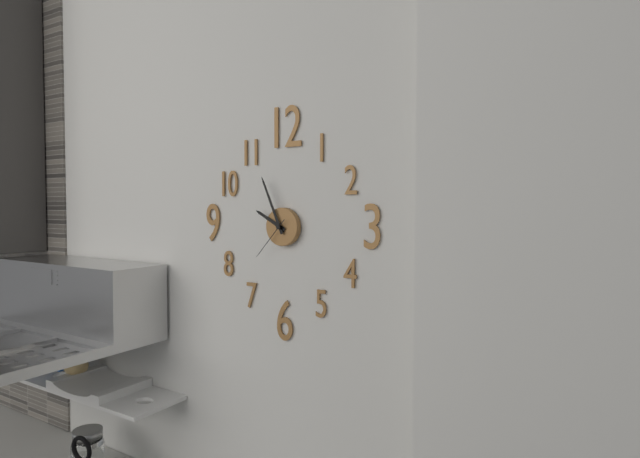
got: 9h56
